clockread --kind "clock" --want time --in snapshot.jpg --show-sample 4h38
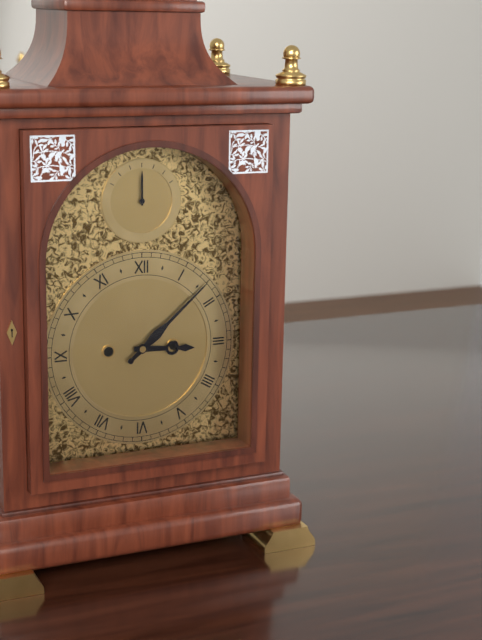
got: 3h08
